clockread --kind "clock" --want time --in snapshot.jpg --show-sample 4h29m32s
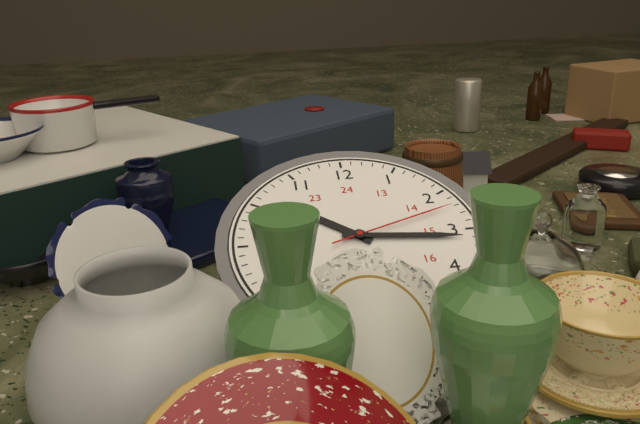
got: 10h16m12s
